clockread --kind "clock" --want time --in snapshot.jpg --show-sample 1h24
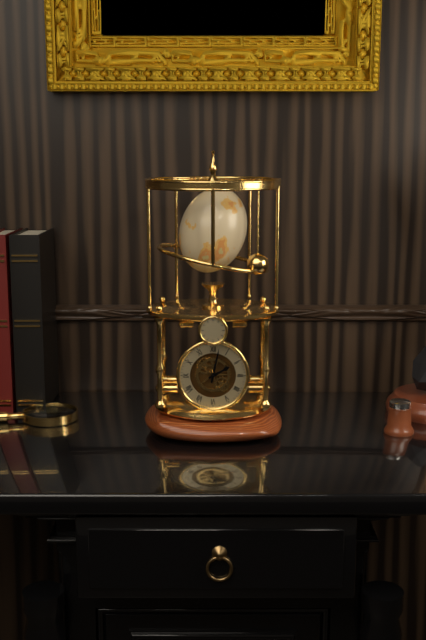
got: 2h02
